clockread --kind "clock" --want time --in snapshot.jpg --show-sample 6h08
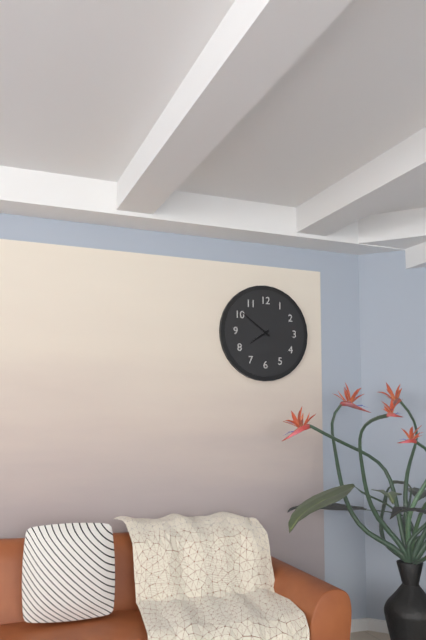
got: 7h51
